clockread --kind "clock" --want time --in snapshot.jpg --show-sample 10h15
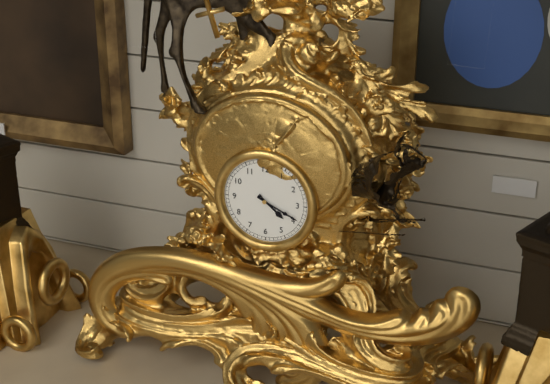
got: 4h19
